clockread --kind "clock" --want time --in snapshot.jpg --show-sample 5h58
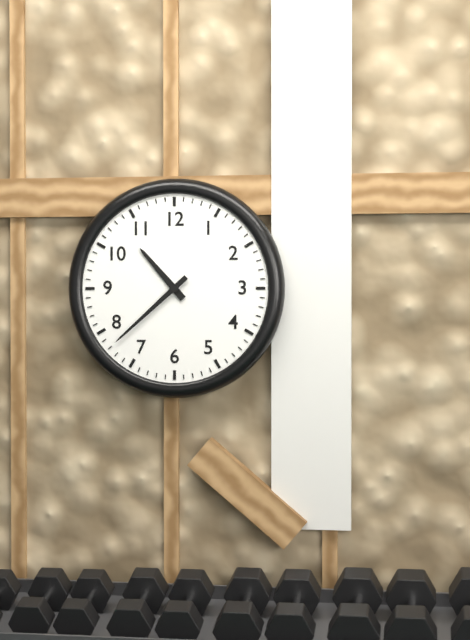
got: 10h38
